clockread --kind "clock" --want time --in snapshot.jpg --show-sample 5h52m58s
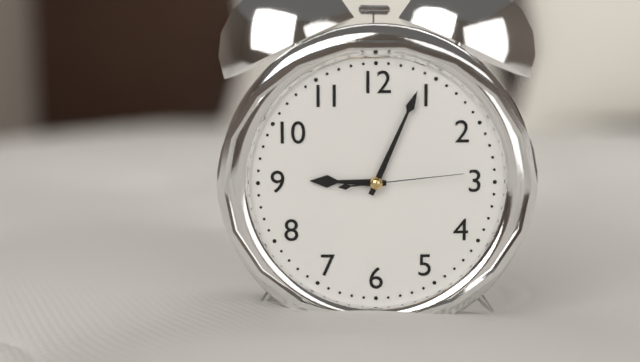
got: 9h04m14s
